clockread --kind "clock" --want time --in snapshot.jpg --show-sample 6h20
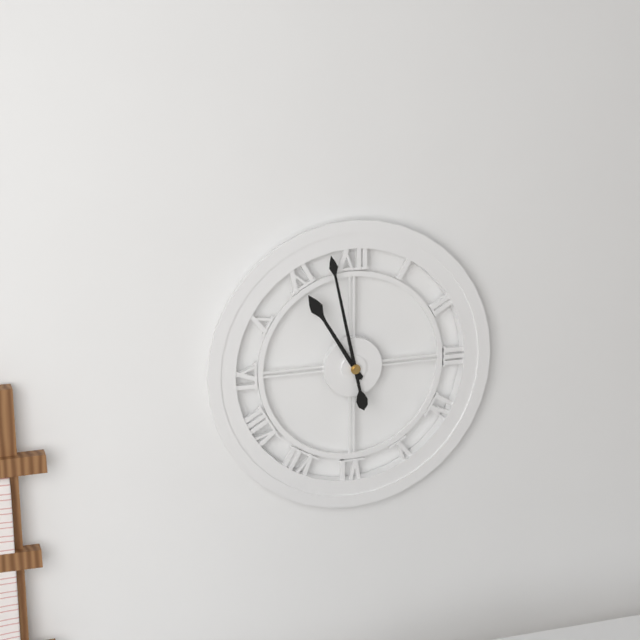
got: 10h58
